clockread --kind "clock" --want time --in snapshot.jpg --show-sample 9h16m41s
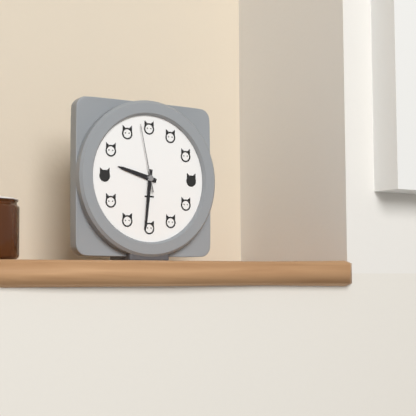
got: 9h31m58s
